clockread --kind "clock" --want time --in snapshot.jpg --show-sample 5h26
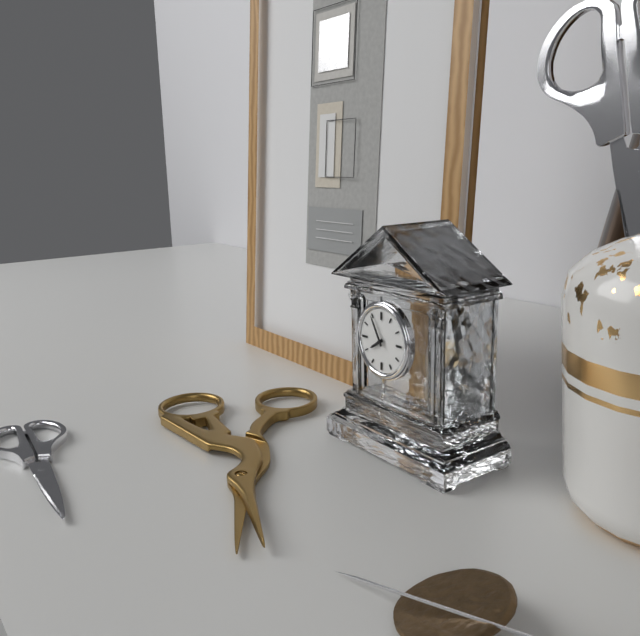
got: 7h55
